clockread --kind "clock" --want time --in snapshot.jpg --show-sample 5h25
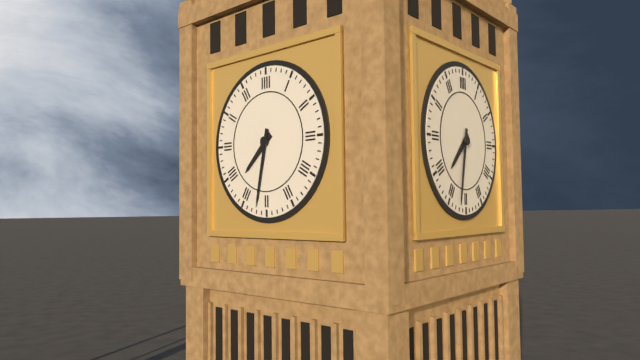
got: 7h32
